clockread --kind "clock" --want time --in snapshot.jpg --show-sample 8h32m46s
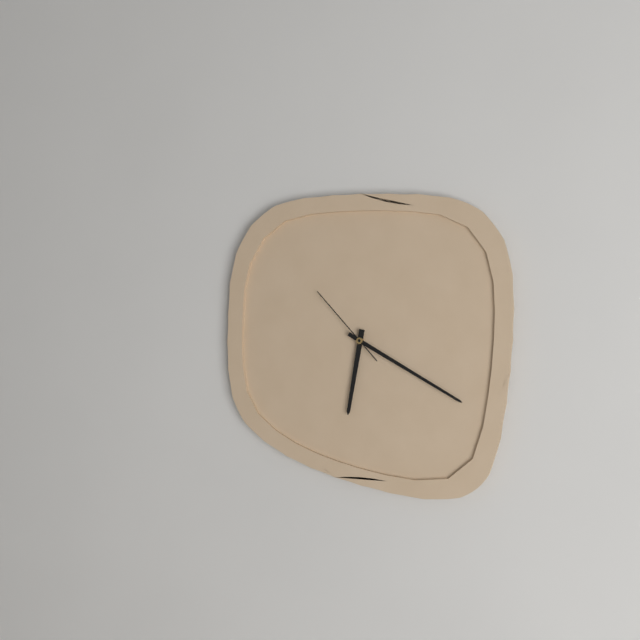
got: 6h20m53s
